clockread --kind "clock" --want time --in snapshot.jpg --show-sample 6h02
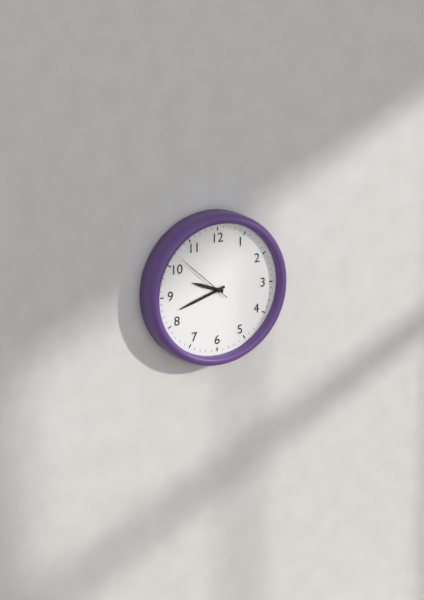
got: 9h42
